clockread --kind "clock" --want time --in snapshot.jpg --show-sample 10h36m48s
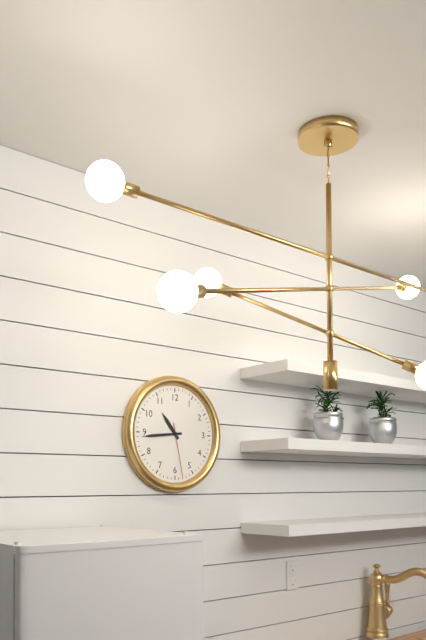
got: 10h44m28s
